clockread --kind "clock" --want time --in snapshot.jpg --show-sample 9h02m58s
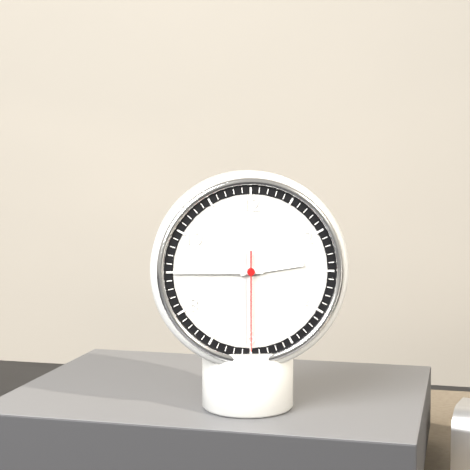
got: 2h45m30s
